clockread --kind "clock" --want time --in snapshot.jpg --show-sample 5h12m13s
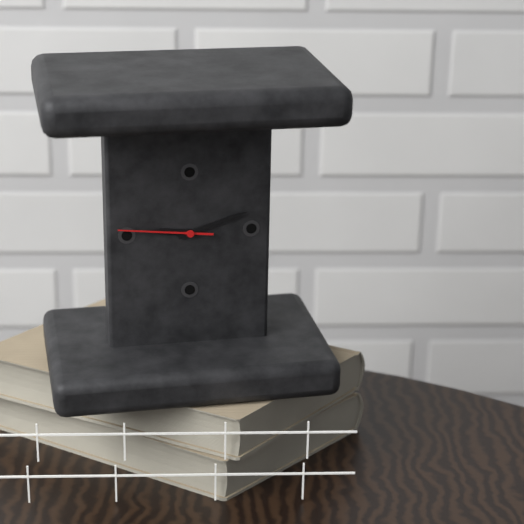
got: 9h12m46s
